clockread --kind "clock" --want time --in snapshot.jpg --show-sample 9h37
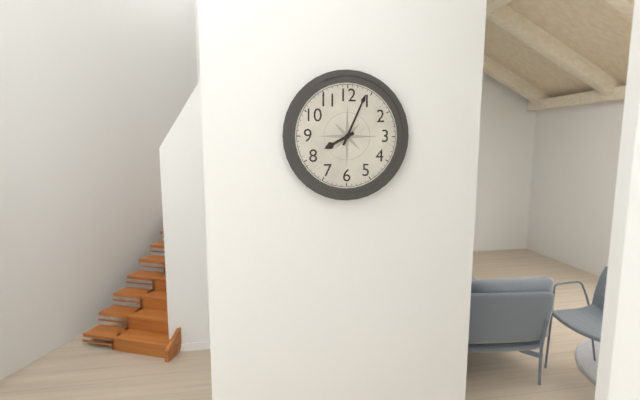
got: 8h04
